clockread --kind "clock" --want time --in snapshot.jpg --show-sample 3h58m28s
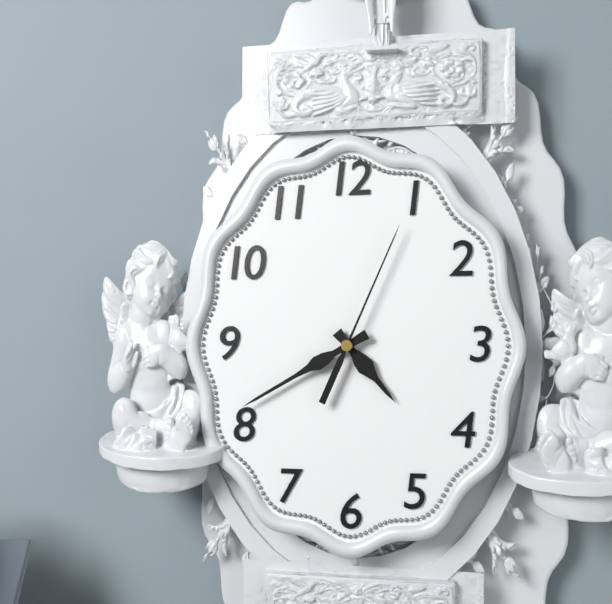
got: 4h40m04s
